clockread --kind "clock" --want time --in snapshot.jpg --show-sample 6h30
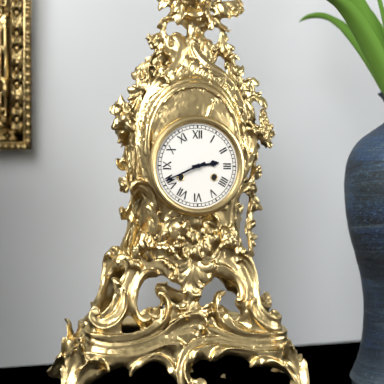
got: 2h41
